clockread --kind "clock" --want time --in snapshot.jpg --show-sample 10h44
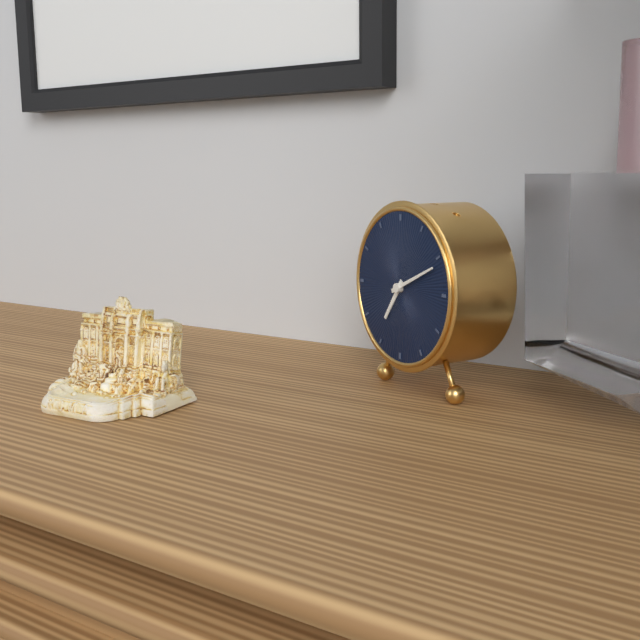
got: 7h11
